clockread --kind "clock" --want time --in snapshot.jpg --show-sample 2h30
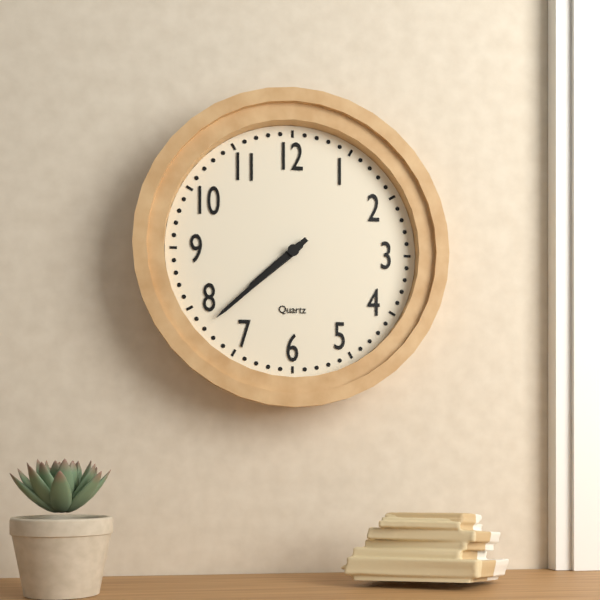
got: 7h38
